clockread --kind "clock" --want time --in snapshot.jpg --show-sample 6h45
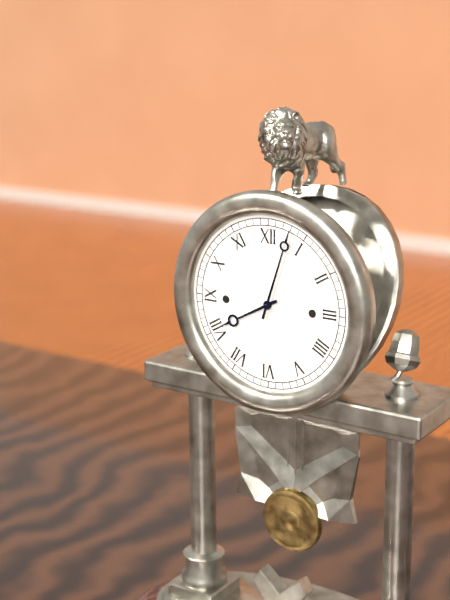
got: 8h03
